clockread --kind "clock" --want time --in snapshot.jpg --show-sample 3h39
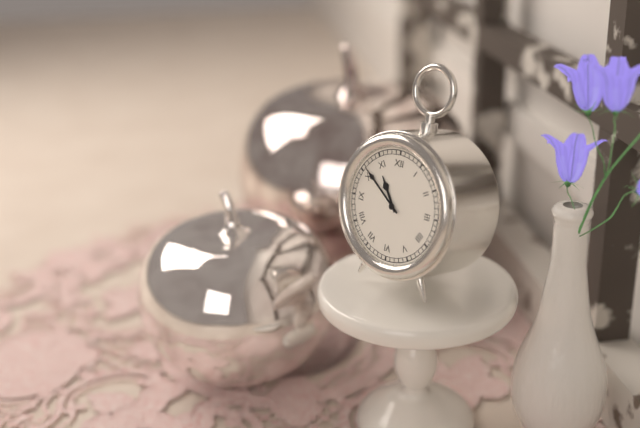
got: 10h51
